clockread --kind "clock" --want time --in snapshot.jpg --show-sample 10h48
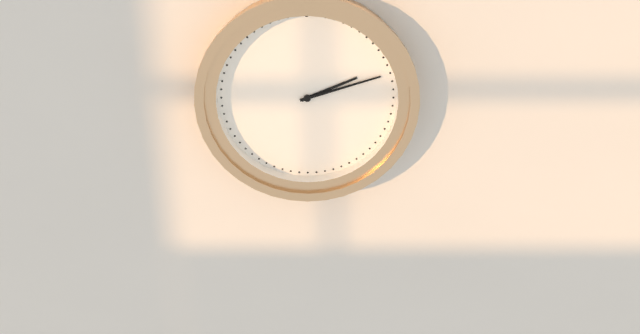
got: 2h12
